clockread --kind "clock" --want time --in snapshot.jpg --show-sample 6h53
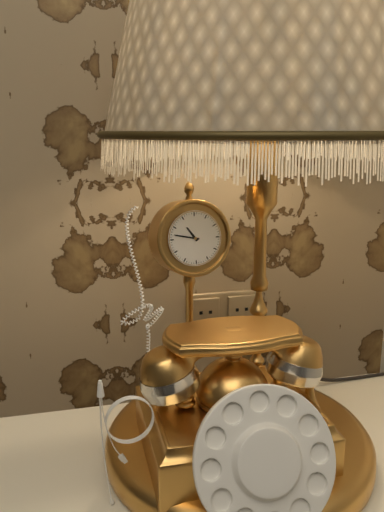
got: 10h47
